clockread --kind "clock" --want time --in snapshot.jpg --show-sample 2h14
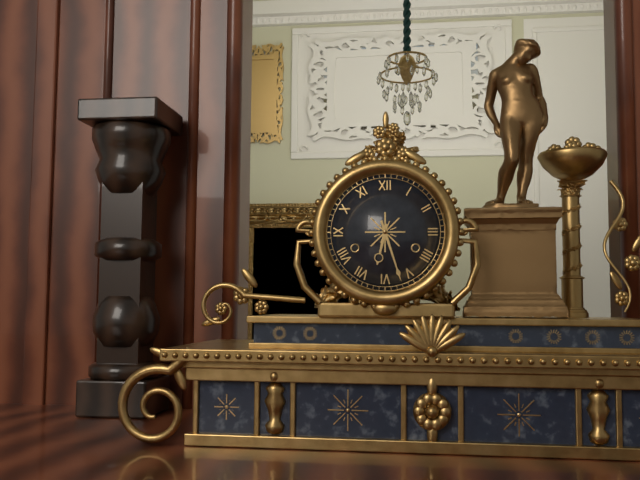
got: 6h27
